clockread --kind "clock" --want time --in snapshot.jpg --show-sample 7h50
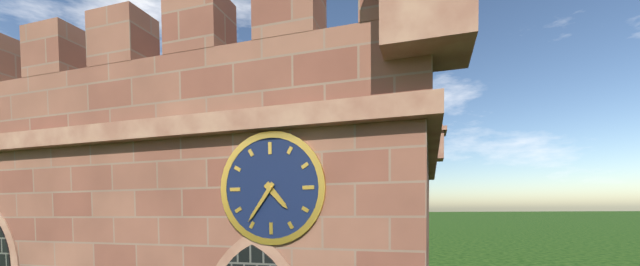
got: 4h36
